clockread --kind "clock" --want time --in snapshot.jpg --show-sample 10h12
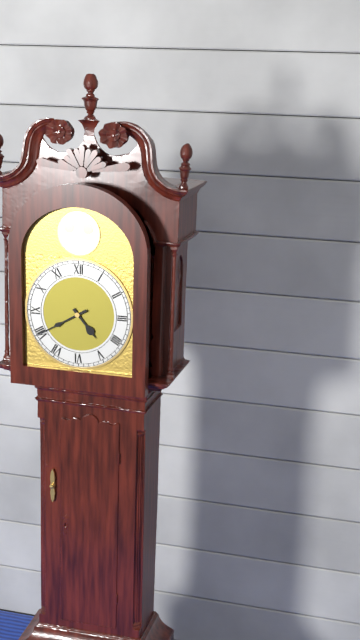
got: 4h40
